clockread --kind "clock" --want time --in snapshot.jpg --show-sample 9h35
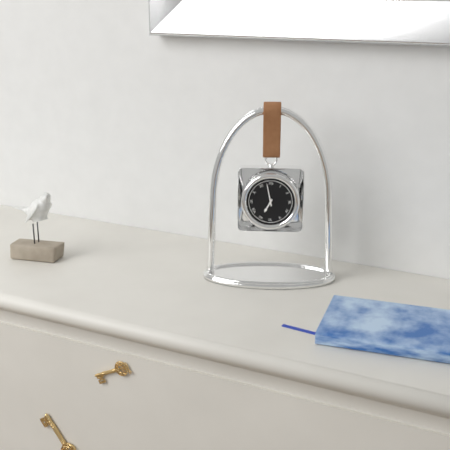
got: 6h58
